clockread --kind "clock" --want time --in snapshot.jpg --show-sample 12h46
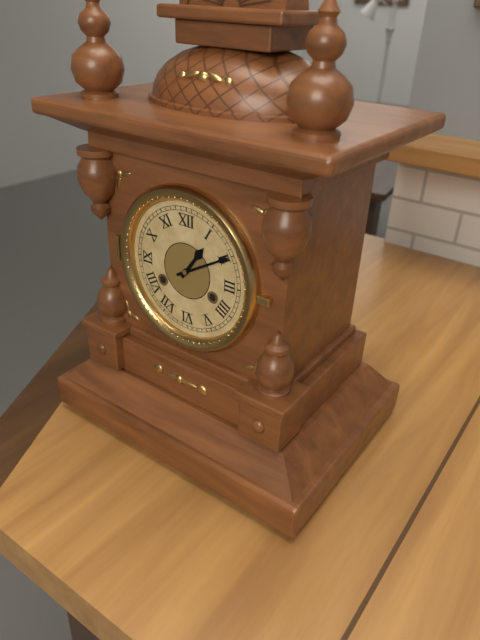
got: 1h10
